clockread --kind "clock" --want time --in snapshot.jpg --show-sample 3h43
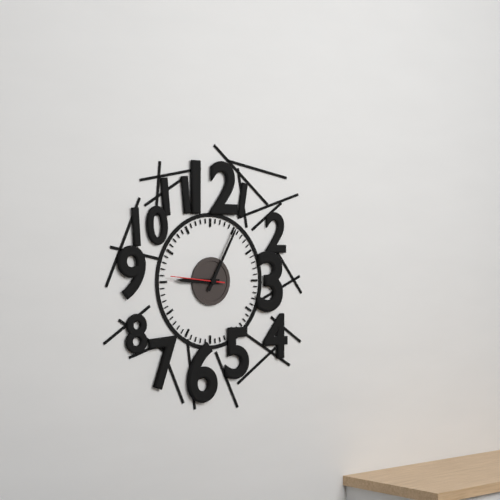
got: 9h05
